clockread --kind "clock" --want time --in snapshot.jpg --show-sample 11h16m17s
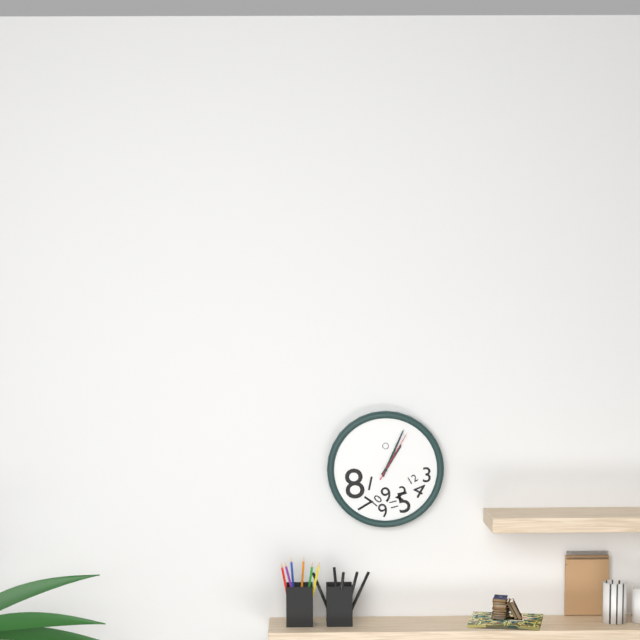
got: 1h04m05s
